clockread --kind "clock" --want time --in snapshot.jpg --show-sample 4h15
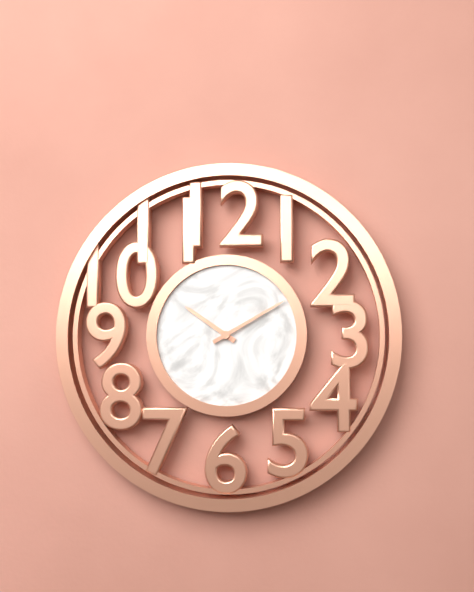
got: 10h10
